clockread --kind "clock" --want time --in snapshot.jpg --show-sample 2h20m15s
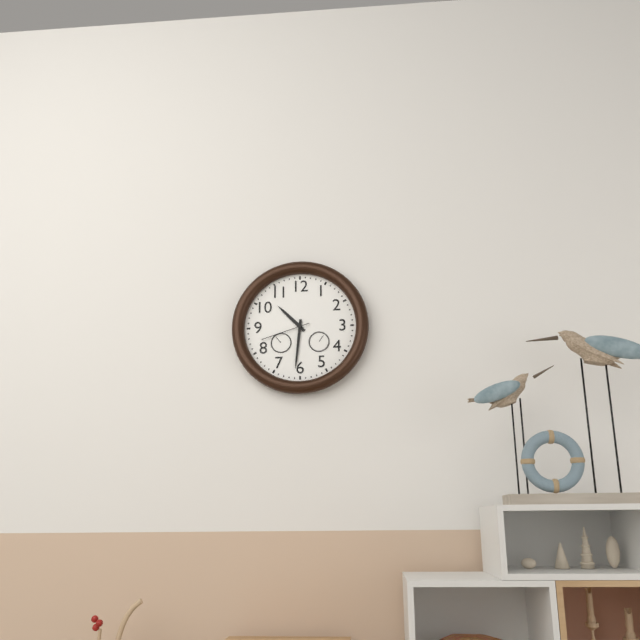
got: 10h31m42s
